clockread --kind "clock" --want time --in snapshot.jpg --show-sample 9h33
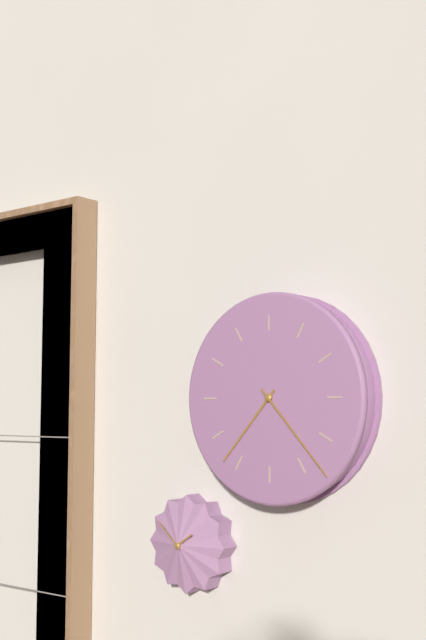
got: 7h23
